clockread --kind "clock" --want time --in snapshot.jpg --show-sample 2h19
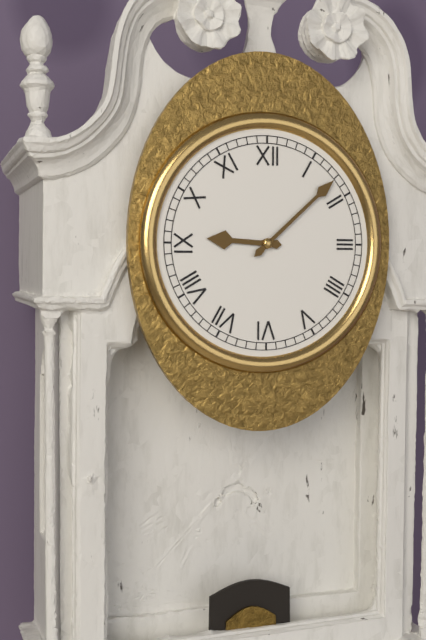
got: 9h08
